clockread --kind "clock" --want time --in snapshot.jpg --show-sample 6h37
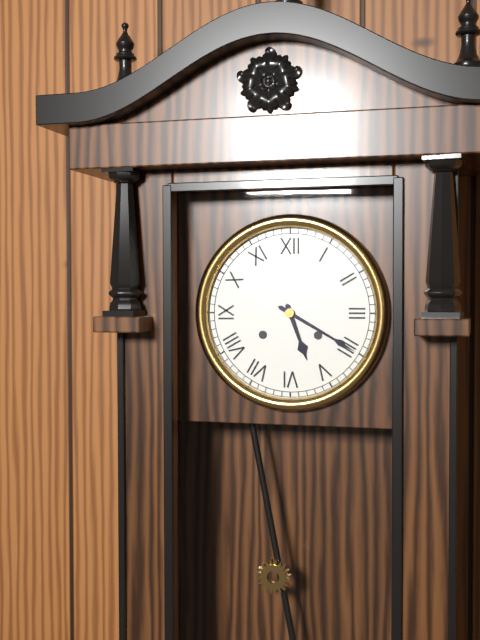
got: 5h20
